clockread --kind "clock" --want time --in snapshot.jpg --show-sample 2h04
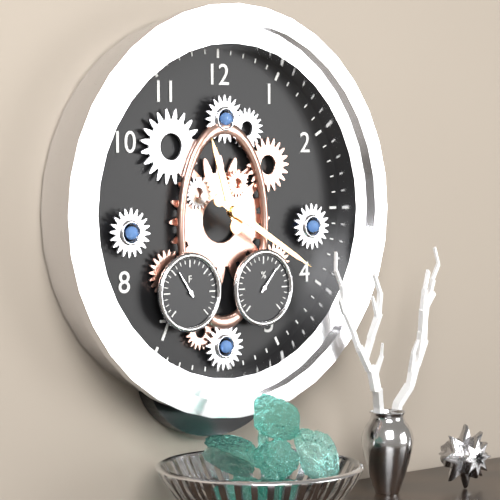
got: 11h20
